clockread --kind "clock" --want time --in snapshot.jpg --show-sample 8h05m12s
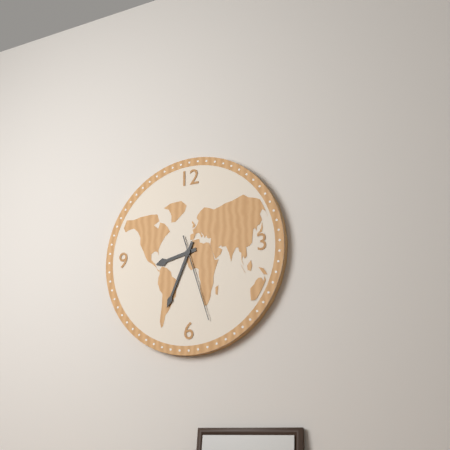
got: 8h34m27s
